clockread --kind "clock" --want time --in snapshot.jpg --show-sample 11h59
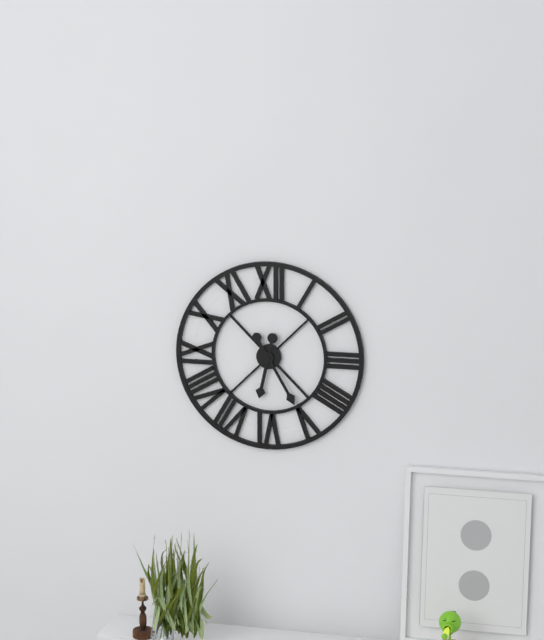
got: 6h25
